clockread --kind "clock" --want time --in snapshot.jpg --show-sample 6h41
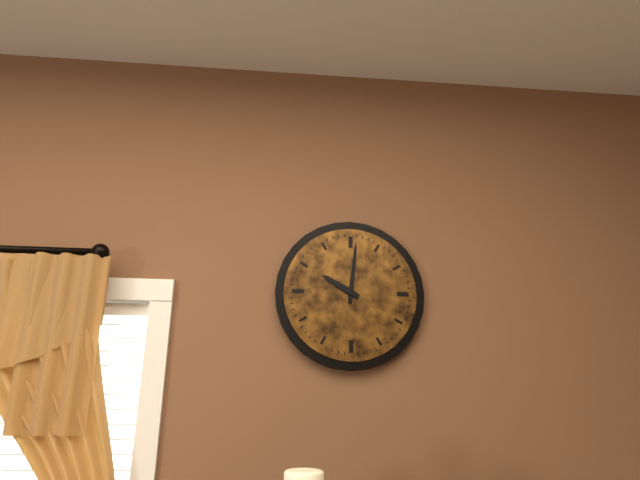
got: 10h01
